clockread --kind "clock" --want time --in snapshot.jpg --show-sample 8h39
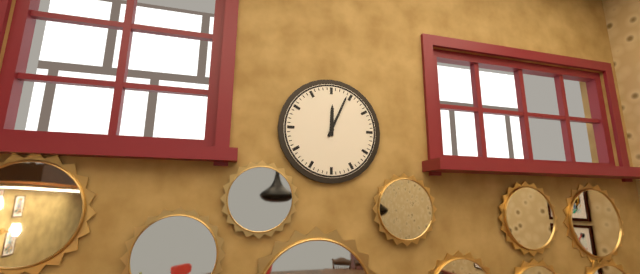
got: 12h04
